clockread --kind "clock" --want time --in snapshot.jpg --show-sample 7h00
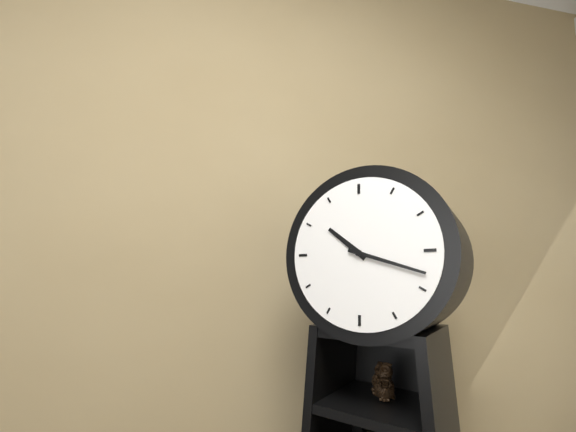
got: 10h18
